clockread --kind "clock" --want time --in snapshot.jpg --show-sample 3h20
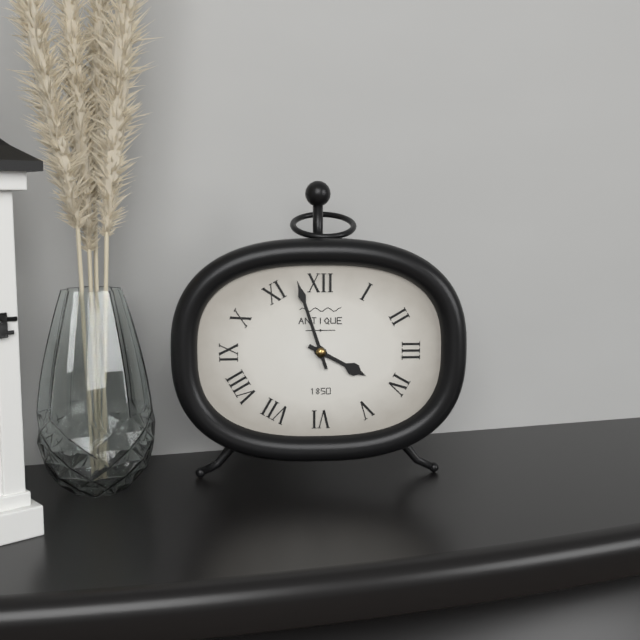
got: 3h57
